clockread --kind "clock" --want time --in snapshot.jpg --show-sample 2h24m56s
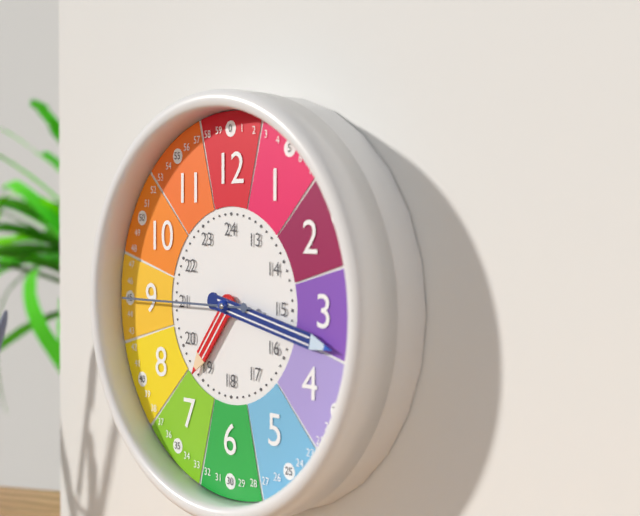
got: 7h17m45s
